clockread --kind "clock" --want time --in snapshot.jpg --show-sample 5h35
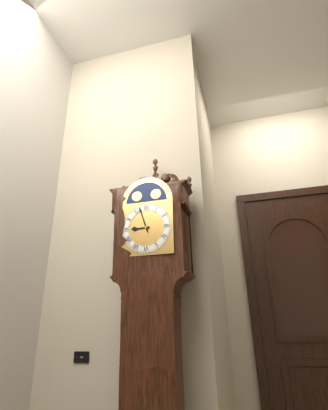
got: 8h57
